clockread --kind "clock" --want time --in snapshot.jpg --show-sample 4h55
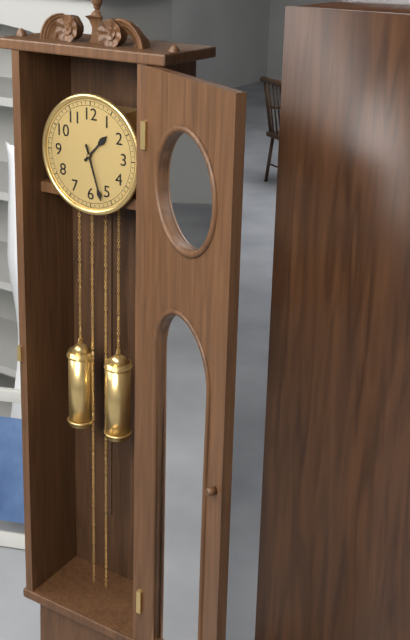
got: 1h27
